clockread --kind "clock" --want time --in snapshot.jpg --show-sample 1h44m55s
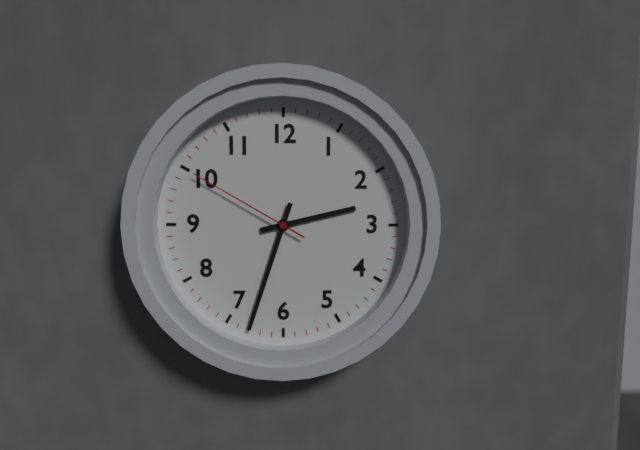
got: 2h33m50s
